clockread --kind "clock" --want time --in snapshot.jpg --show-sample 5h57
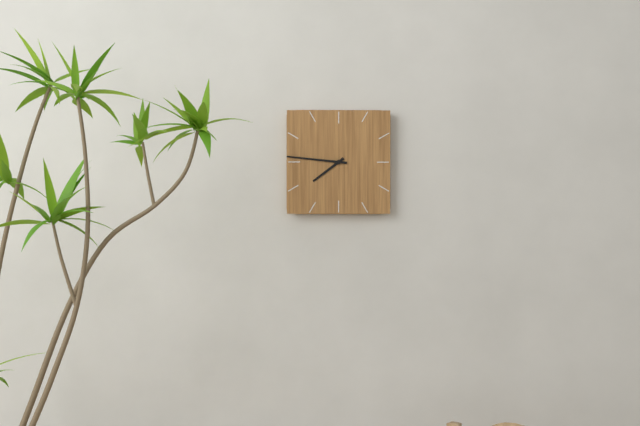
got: 7h46
